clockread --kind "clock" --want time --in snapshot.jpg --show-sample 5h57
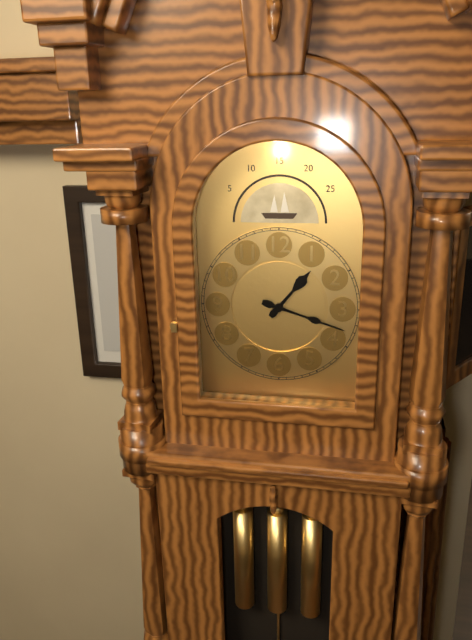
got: 1h18
